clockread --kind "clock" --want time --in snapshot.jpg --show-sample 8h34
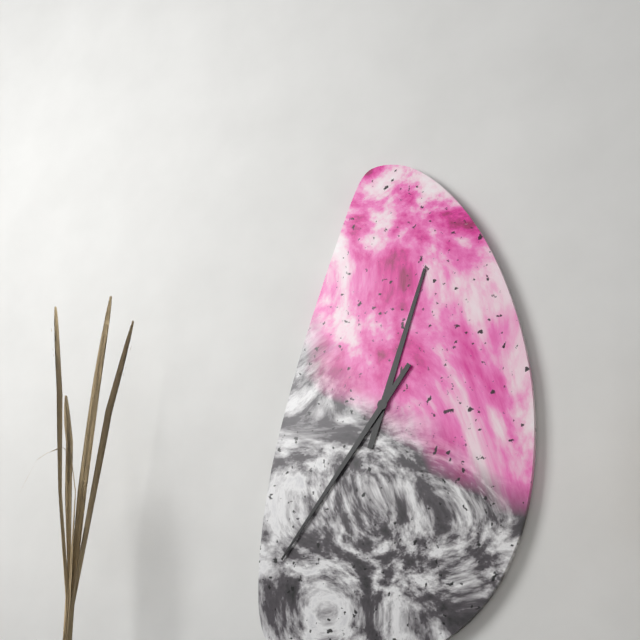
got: 12h36
